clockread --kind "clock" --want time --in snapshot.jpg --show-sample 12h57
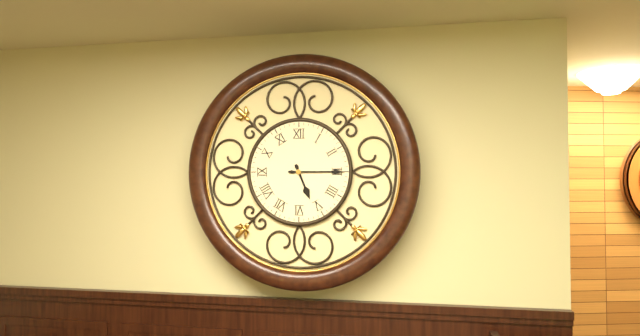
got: 5h15
